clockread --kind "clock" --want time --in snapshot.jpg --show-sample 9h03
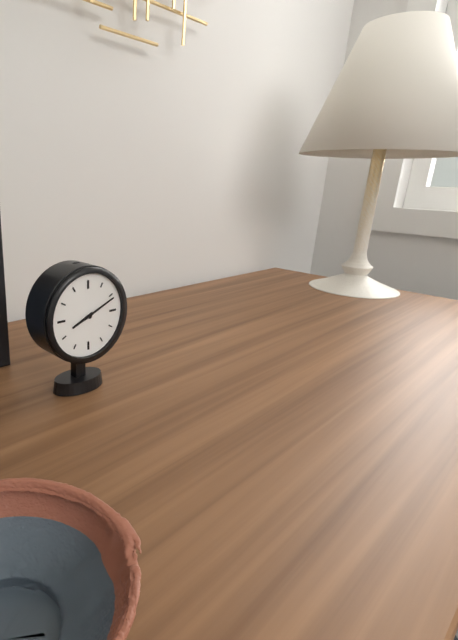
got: 8h11
